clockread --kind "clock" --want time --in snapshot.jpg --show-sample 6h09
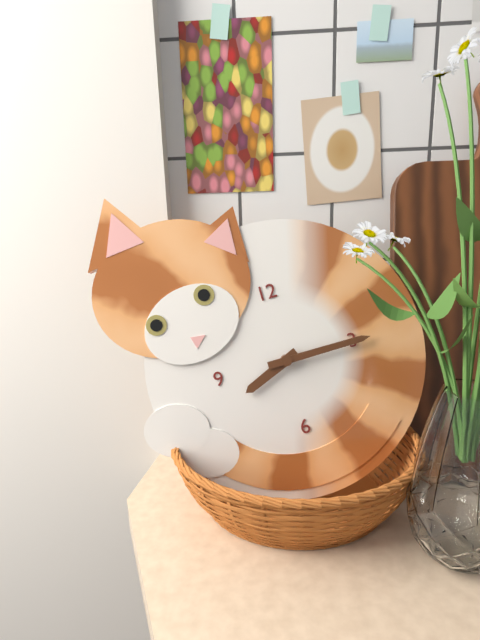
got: 8h15
